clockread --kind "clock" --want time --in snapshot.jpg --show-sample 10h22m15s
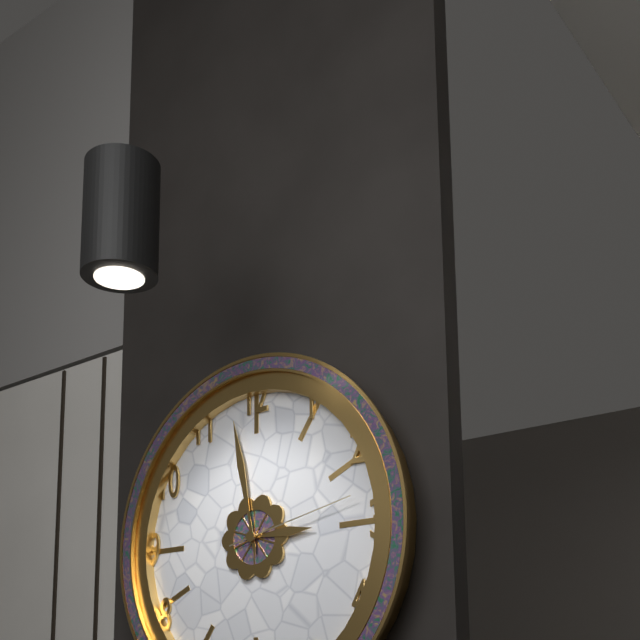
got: 2h58m13s
